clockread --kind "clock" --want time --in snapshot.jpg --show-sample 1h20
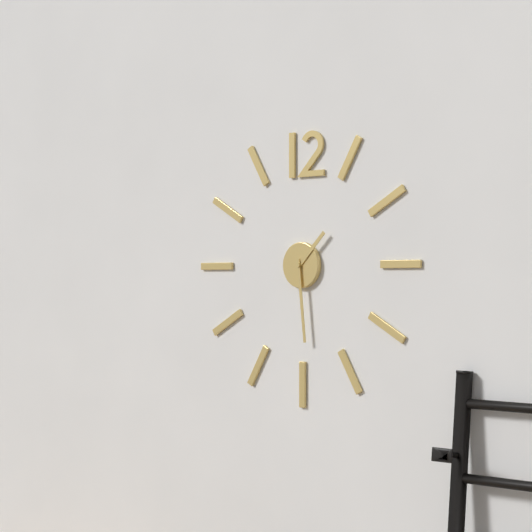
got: 1h29
